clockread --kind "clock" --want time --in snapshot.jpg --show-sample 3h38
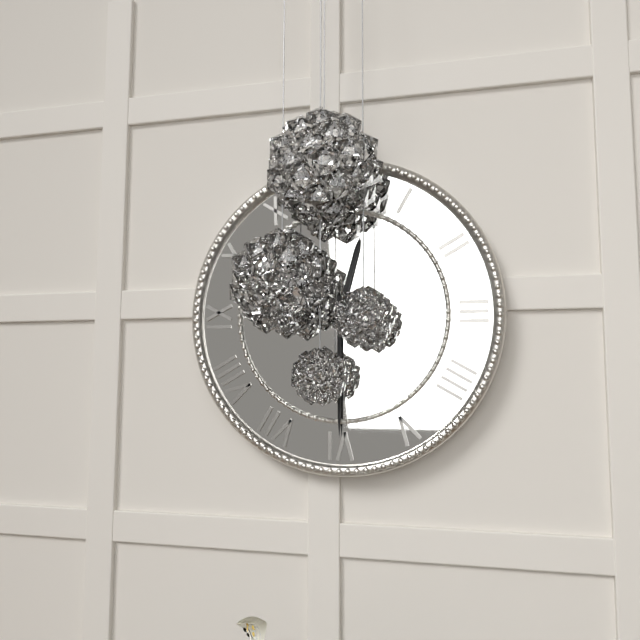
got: 12h30
